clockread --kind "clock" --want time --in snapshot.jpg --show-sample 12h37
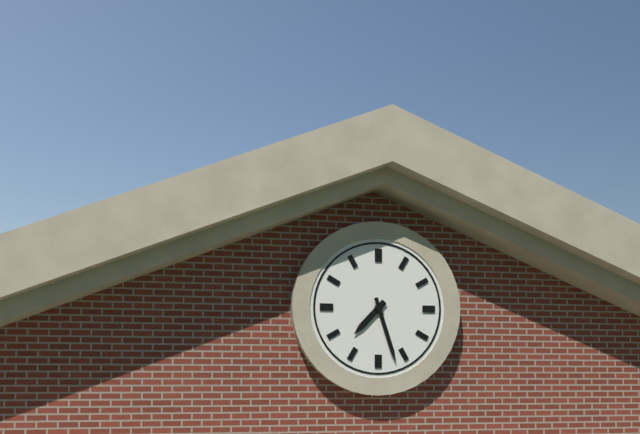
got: 7h27
